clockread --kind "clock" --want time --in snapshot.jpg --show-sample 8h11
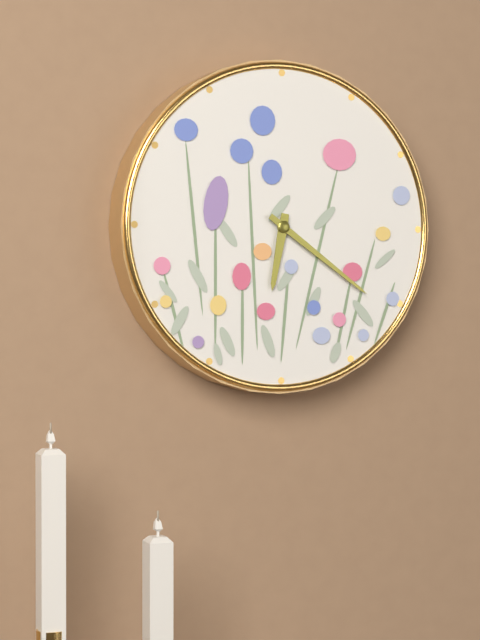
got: 6h21
